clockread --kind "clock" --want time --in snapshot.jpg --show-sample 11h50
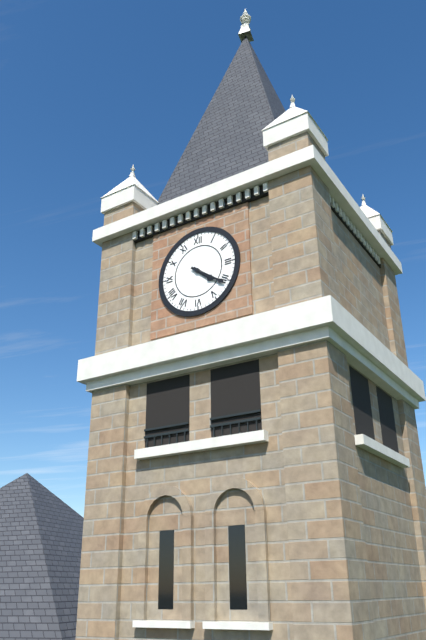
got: 4h21
